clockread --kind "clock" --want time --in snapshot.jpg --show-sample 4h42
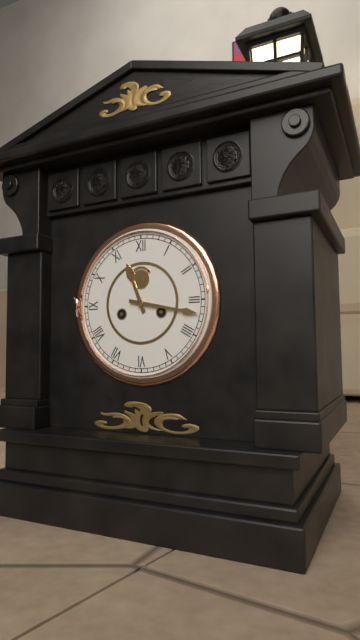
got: 11h17
